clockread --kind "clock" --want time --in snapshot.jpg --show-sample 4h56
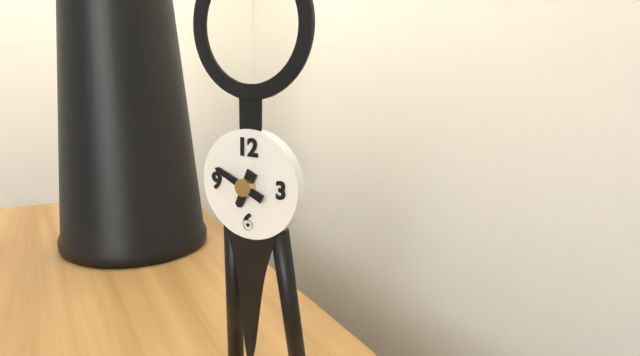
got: 6h49
